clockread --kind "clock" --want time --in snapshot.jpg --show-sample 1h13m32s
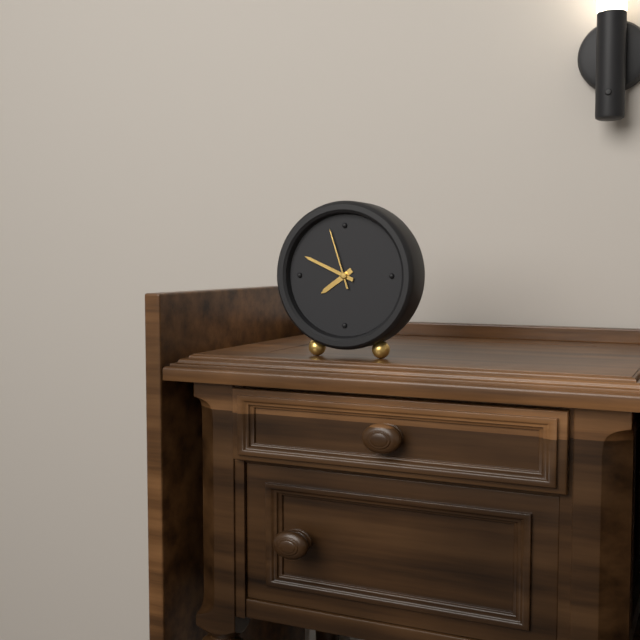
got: 7h49m57s
